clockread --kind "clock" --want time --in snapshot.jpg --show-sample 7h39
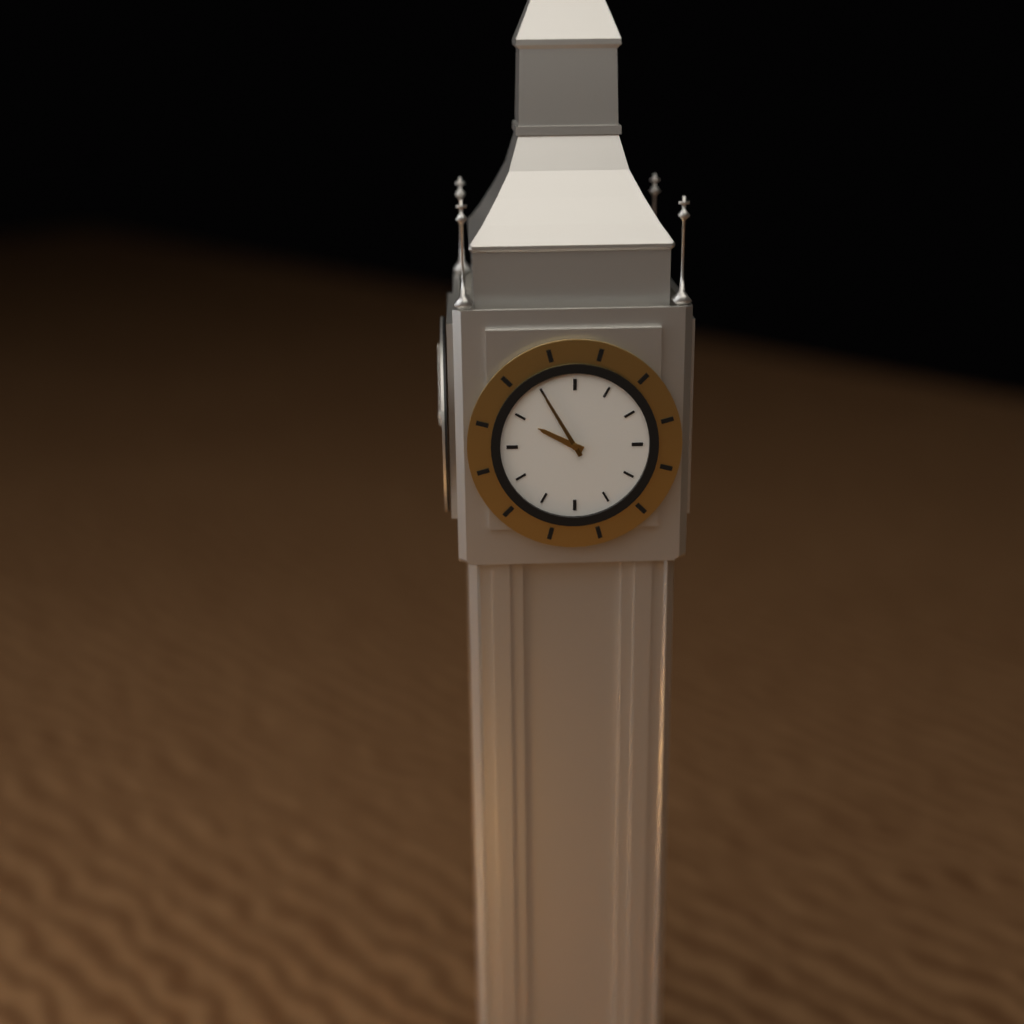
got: 9h55
